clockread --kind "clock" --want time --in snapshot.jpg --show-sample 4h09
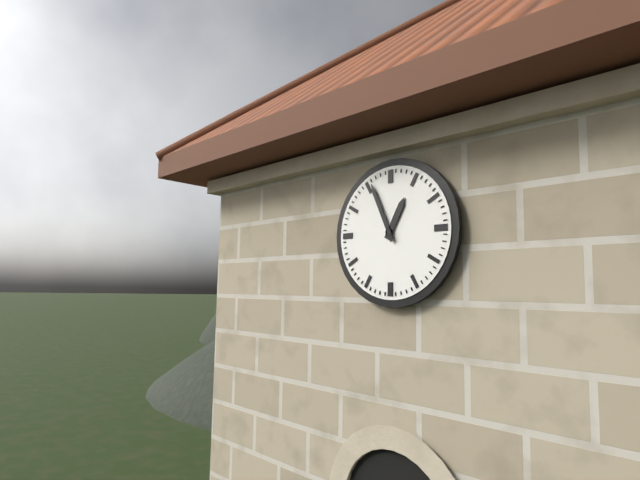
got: 12h56
